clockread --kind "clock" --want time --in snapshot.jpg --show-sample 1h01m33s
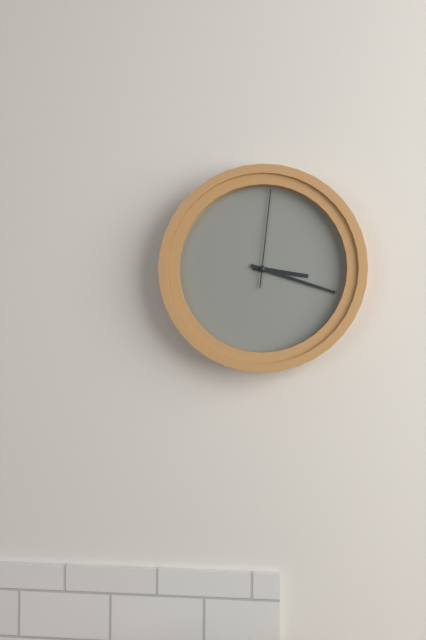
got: 3h18m01s
